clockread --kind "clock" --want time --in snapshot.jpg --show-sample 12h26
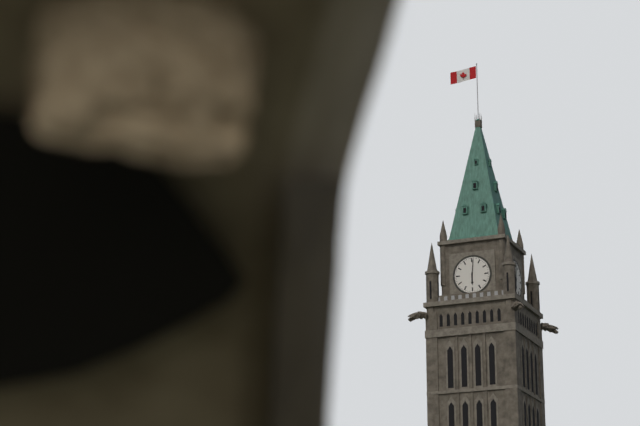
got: 6h01
